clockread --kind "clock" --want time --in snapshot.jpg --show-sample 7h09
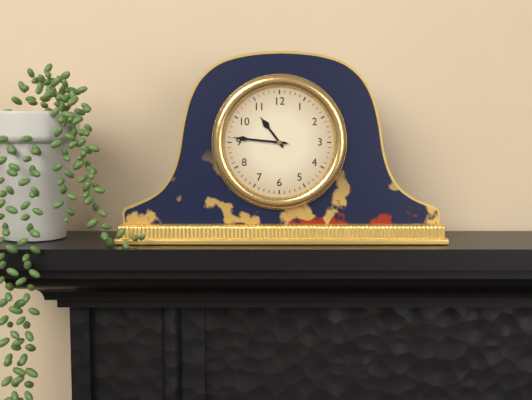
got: 10h46
